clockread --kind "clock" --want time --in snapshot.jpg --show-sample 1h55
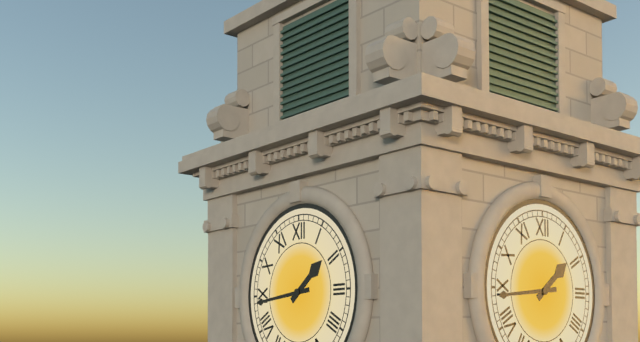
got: 1h44
